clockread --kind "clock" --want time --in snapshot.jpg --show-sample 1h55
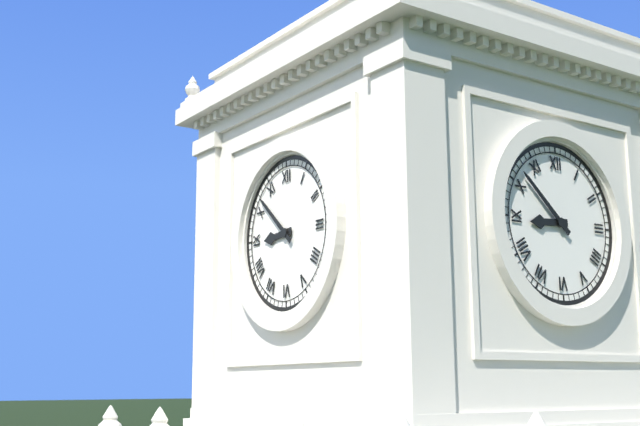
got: 8h52
